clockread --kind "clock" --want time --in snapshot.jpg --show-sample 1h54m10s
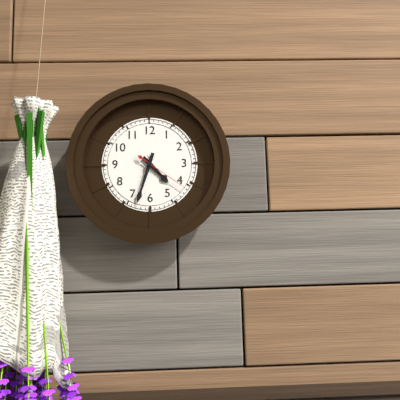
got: 4h33m21s
